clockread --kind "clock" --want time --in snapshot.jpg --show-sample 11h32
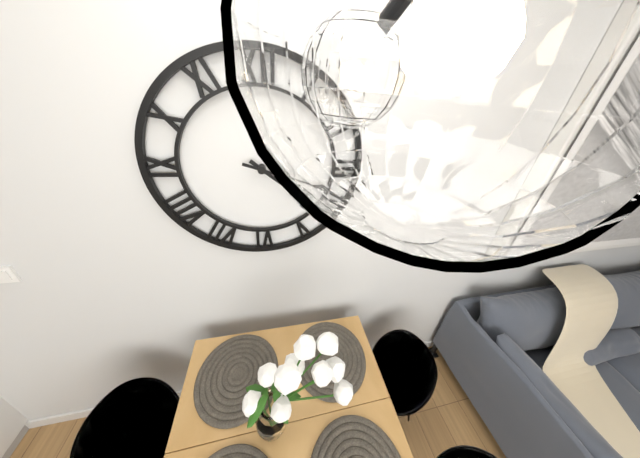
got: 4h18
